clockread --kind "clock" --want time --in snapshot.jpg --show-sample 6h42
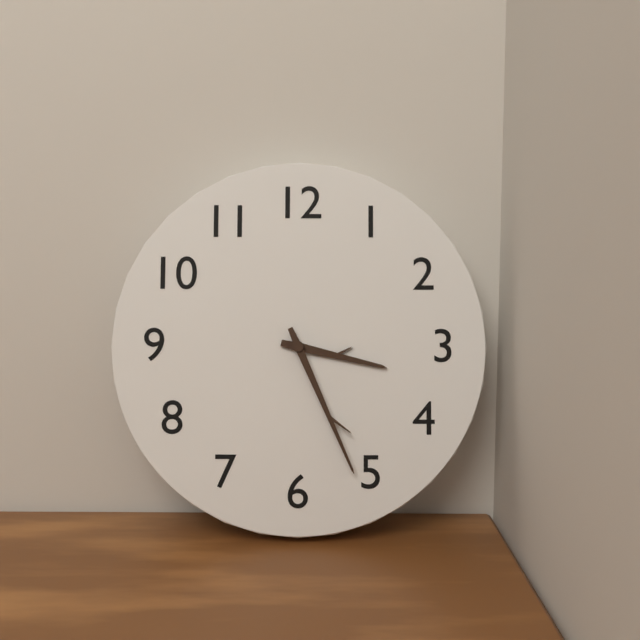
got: 3h26
